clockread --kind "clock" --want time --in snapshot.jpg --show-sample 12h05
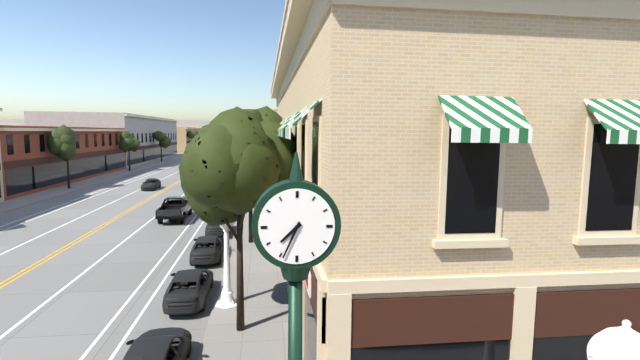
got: 7h34
